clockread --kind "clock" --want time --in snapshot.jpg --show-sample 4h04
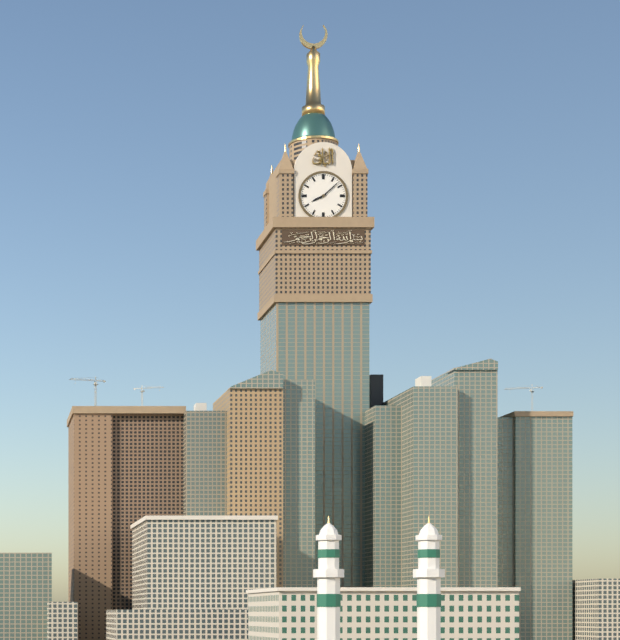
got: 8h08
